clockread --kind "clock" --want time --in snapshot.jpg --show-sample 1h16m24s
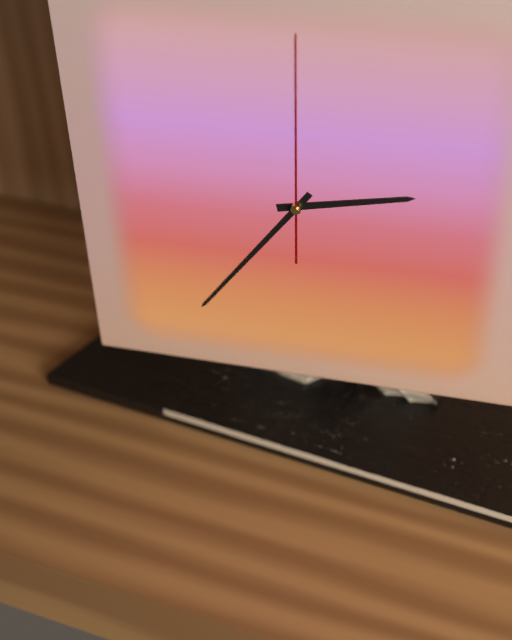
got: 2h36m00s
